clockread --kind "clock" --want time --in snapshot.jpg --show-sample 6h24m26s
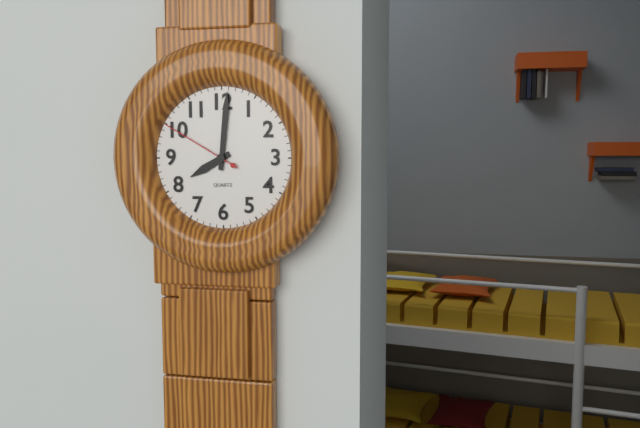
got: 8h01m50s
